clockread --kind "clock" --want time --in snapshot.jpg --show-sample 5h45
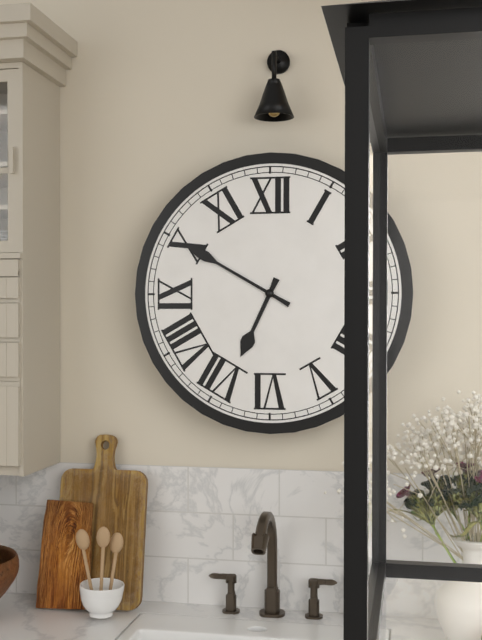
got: 6h50
